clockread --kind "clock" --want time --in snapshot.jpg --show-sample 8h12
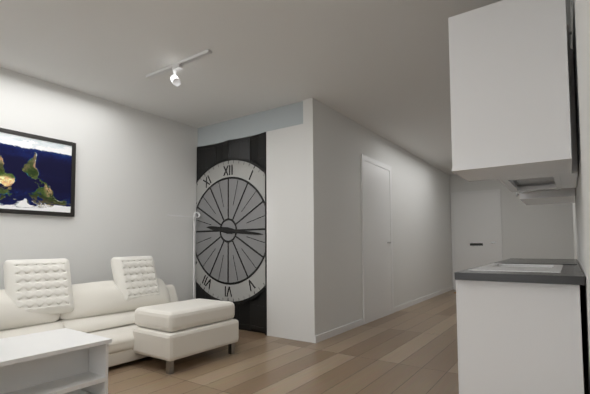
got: 9h16
